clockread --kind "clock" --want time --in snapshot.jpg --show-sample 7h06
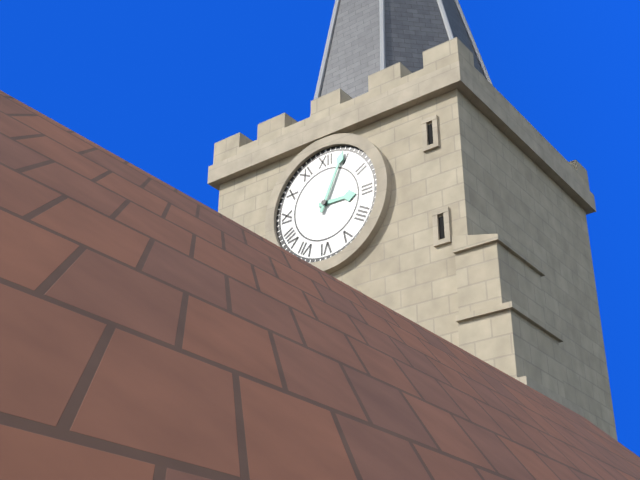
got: 3h04
